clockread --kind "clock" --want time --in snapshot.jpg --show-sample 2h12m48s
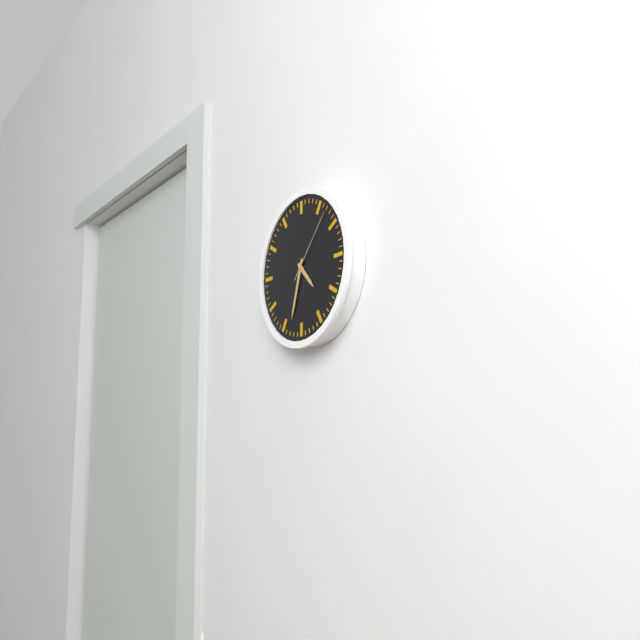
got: 4h33m07s
